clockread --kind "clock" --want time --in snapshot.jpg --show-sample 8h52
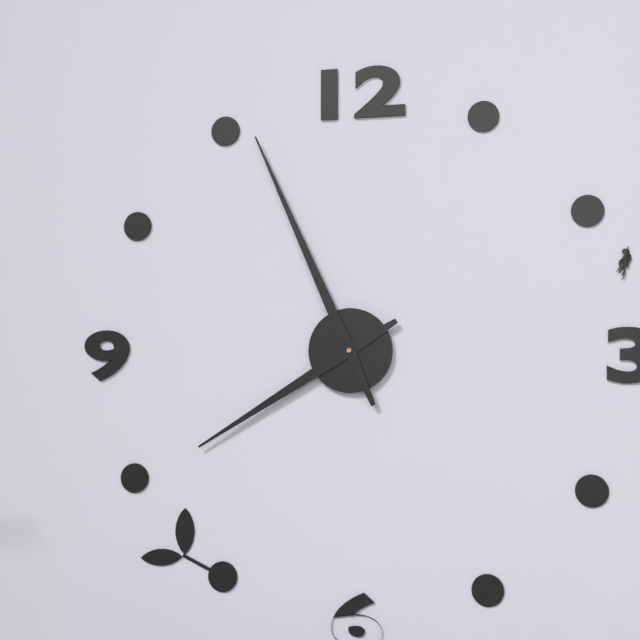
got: 7h56
